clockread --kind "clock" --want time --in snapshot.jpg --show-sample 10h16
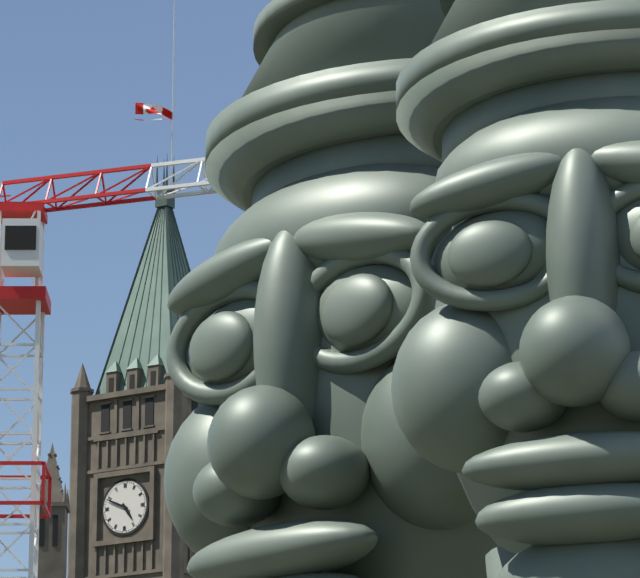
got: 4h49
